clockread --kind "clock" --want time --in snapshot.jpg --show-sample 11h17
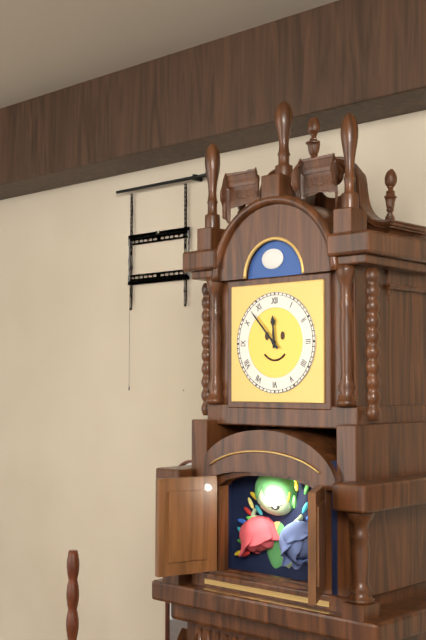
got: 11h53
